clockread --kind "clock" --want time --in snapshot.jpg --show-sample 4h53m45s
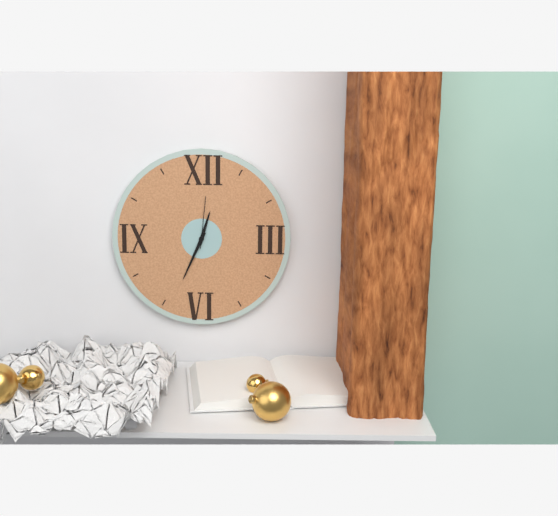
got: 12h34m01s
